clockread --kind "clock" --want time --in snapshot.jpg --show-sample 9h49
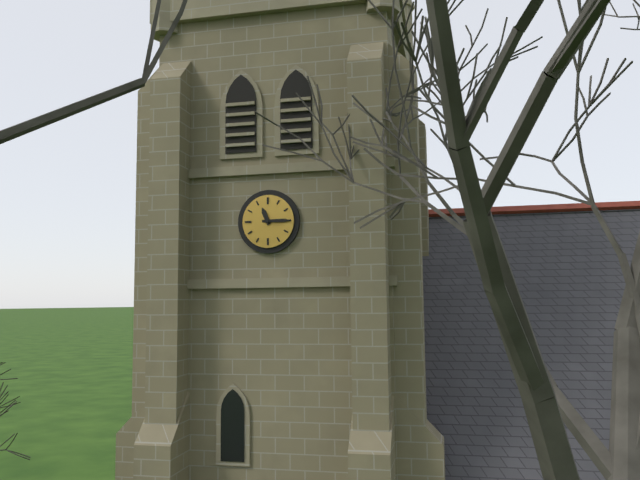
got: 11h15
